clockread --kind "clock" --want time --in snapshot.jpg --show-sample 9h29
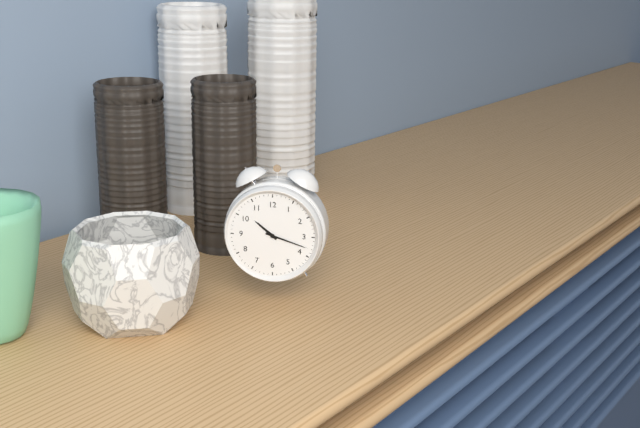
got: 10h18
